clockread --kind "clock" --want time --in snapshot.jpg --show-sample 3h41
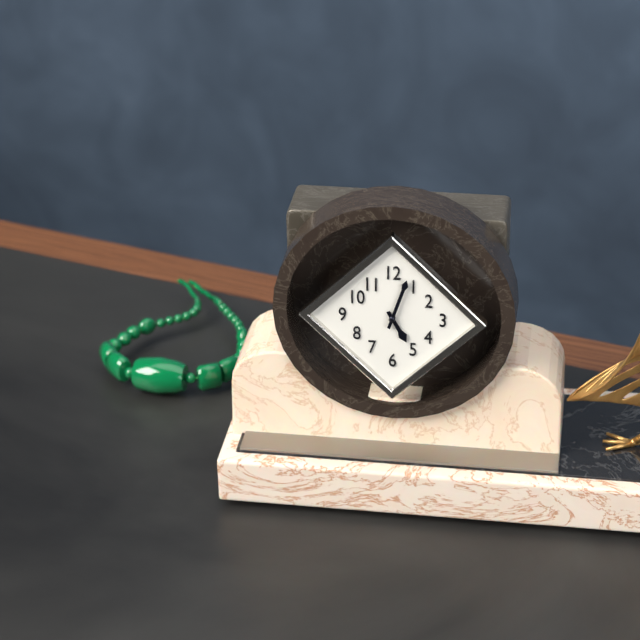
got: 5h03
